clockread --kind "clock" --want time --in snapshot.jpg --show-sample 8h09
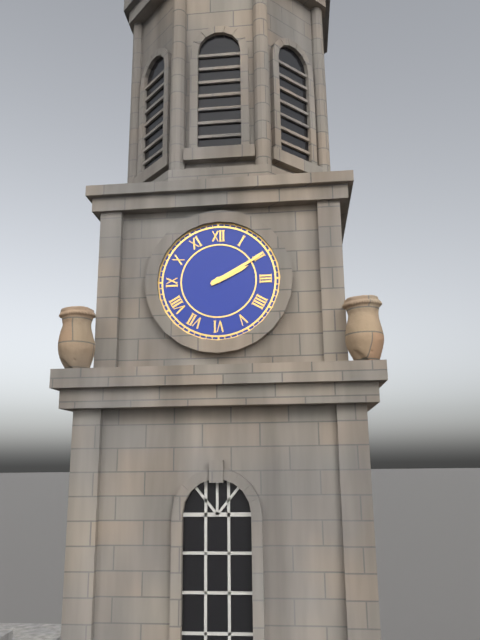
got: 2h10
